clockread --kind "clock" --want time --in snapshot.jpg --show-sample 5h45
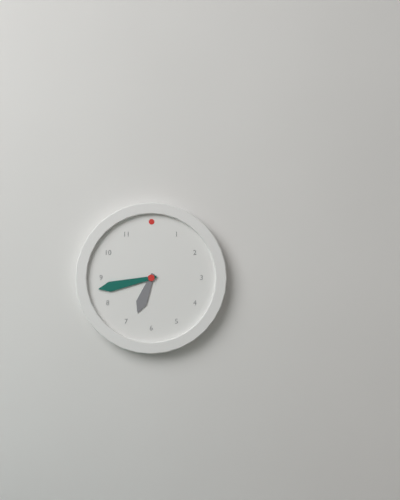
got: 6h43
